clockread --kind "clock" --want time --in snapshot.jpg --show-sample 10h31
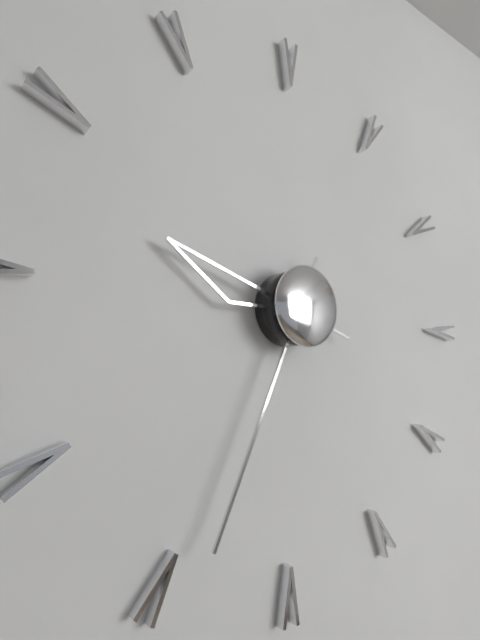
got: 9h34
